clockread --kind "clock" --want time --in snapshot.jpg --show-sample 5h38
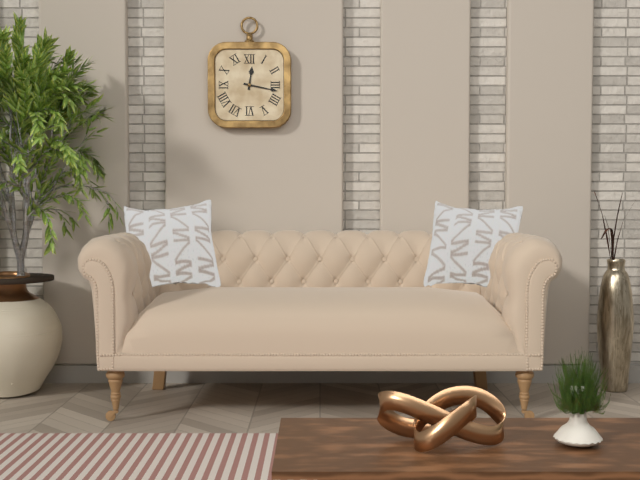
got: 12h17
